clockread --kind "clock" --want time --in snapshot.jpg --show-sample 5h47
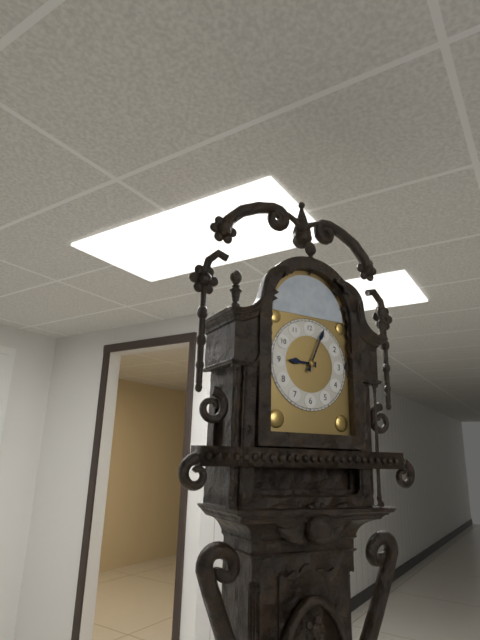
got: 9h04
